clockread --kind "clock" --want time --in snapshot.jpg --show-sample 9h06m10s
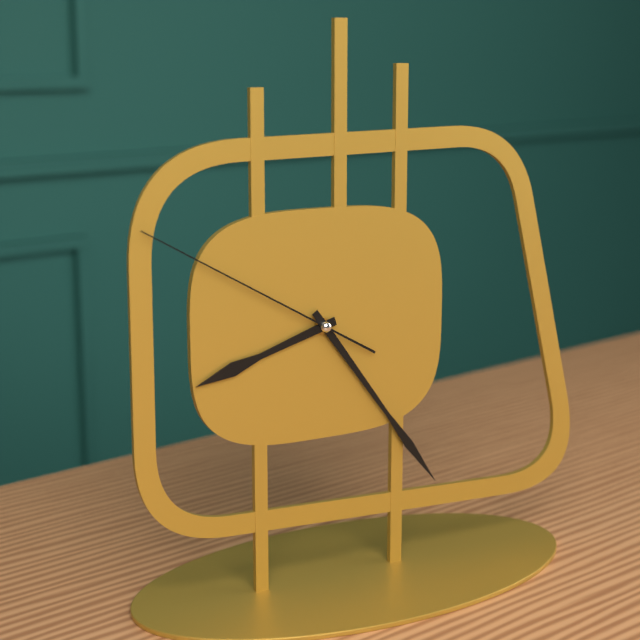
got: 8h24m50s
